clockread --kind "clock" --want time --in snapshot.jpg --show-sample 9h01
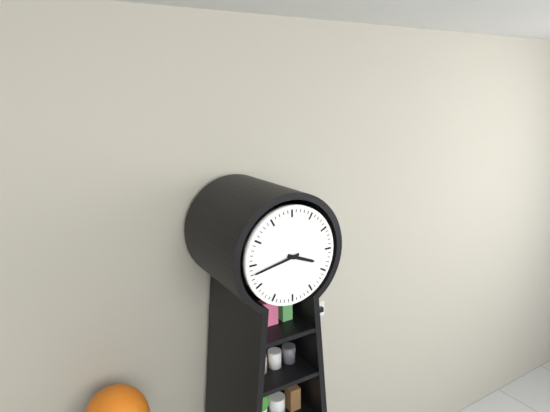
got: 3h43
